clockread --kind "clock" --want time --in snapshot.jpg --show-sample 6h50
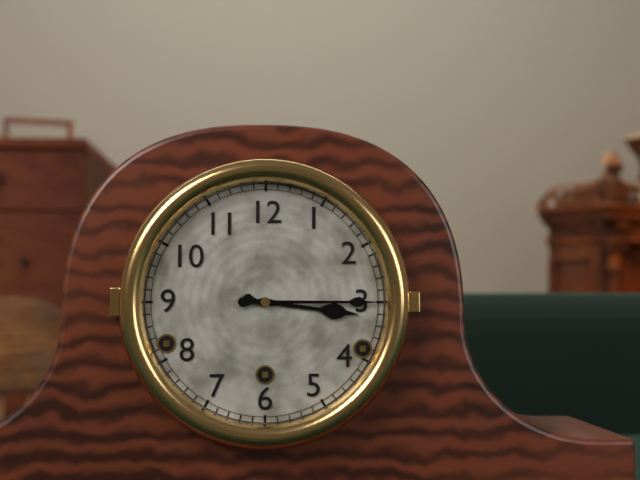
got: 3h15
